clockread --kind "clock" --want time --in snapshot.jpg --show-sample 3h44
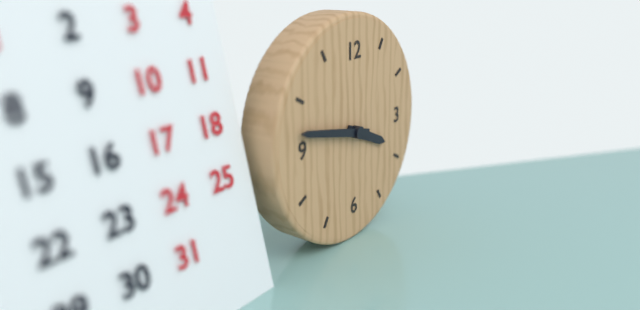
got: 3h47
